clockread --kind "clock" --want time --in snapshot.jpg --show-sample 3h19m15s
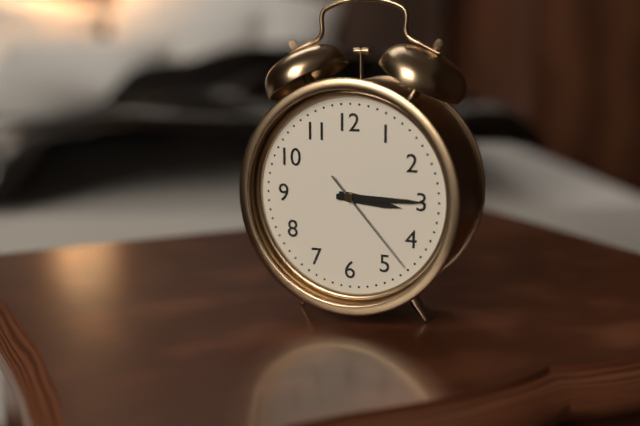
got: 3h15m23s
